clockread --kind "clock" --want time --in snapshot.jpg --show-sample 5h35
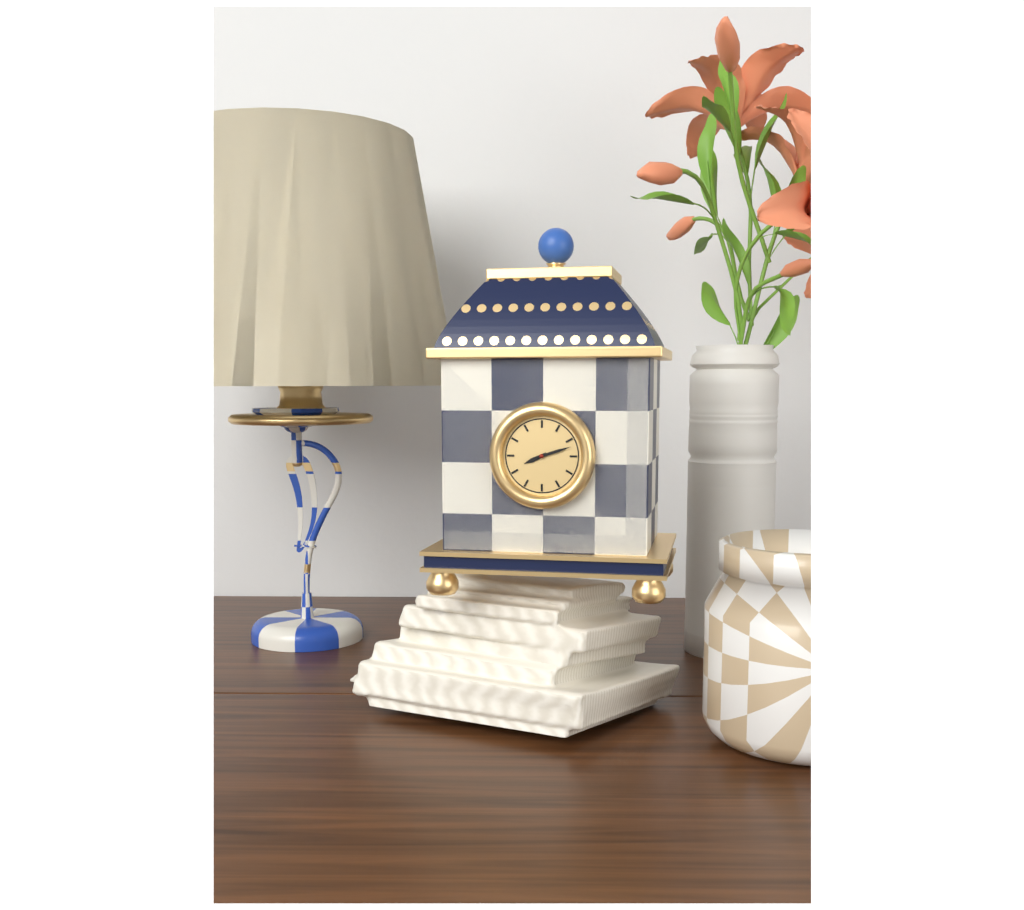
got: 8h12
